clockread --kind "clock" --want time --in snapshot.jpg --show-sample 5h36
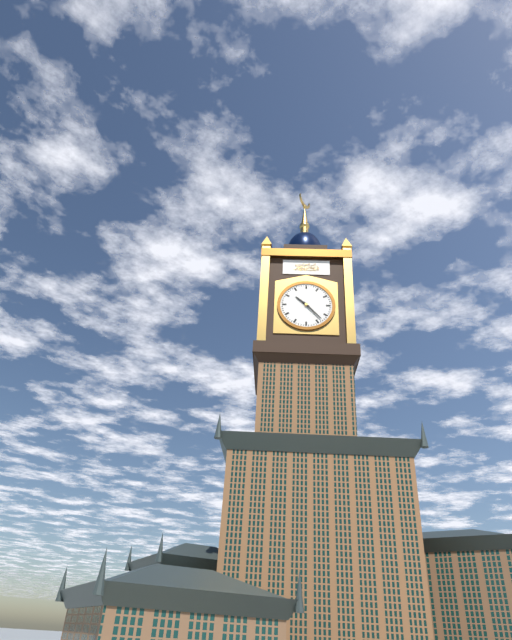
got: 10h23
